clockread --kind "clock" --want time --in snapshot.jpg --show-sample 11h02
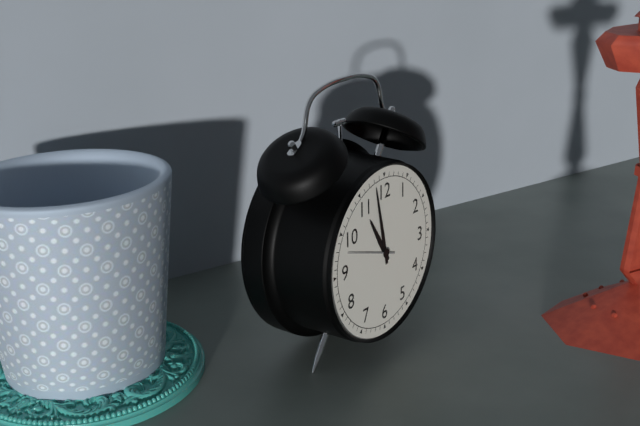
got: 10h58
